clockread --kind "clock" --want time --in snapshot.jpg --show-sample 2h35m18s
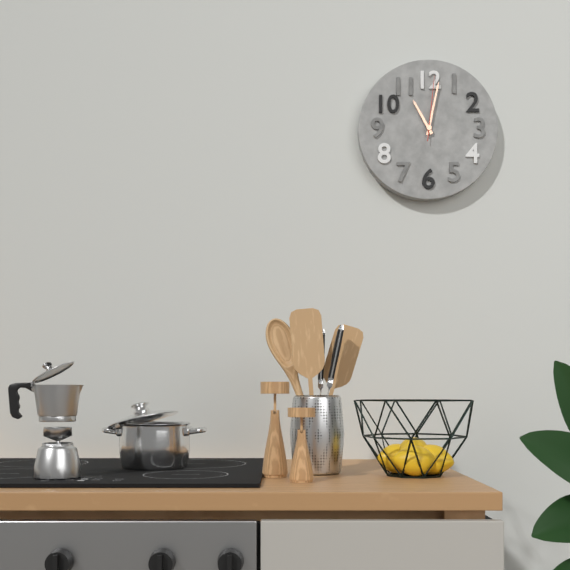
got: 11h02m01s
